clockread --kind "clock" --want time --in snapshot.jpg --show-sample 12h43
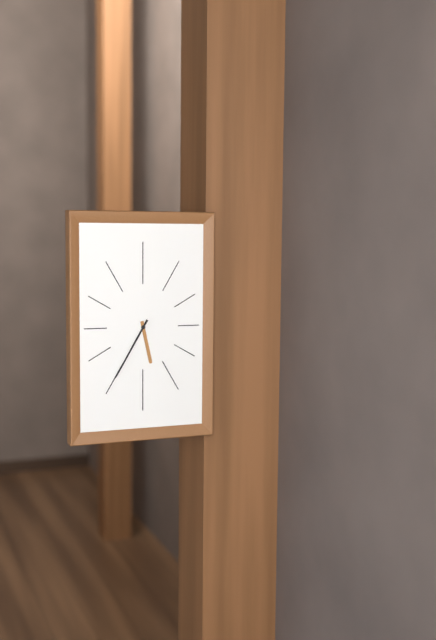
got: 5h35
